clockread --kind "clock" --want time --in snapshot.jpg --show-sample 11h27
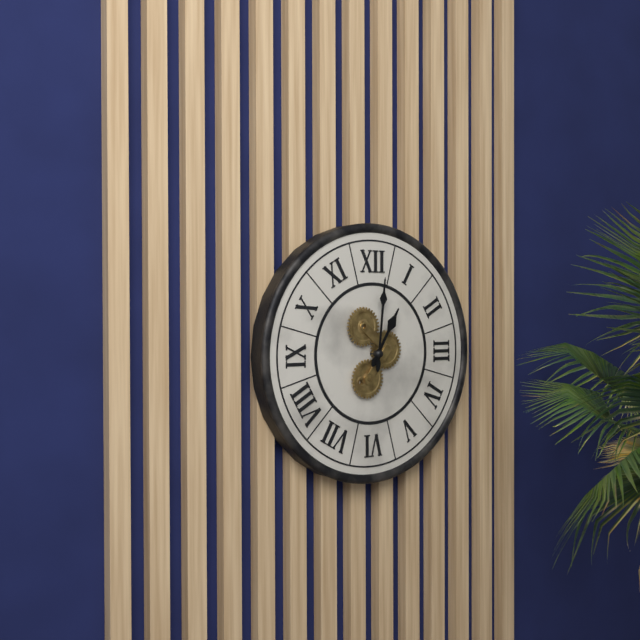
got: 1h01
